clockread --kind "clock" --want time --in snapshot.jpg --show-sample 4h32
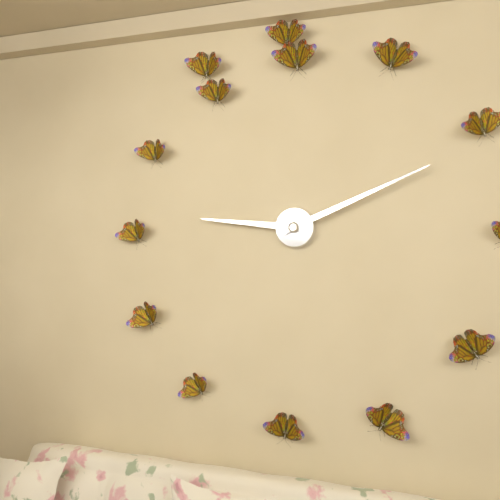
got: 9h11
